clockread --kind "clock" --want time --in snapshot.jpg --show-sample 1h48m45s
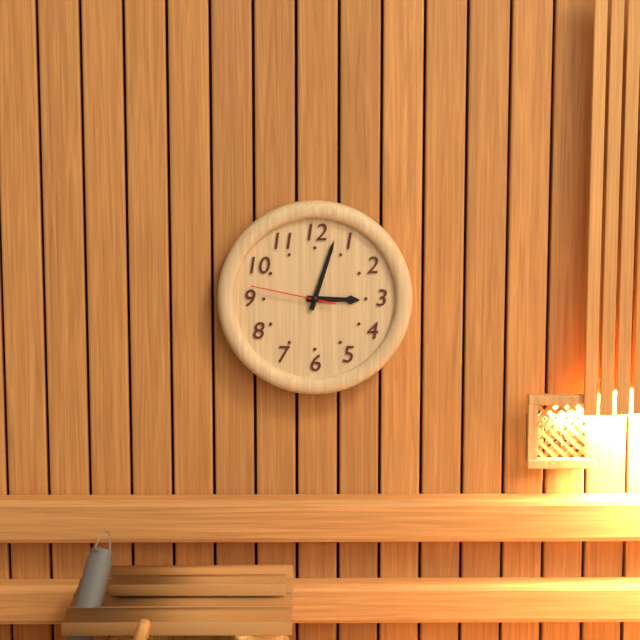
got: 3h03m47s
